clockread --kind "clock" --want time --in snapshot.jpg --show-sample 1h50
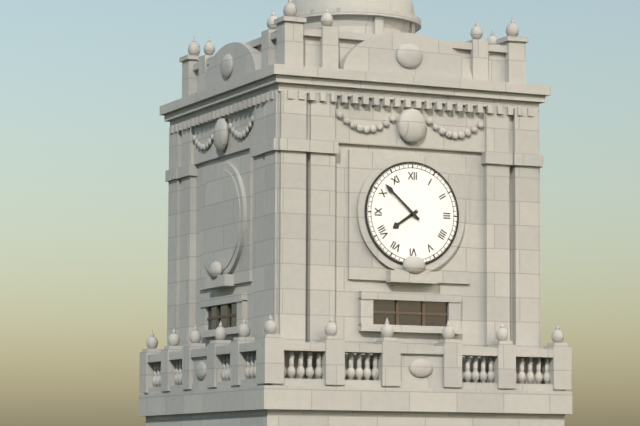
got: 7h52
